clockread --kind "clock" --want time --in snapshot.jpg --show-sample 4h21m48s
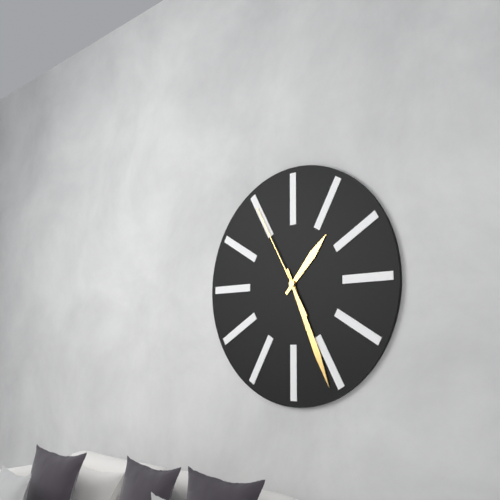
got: 1h26m55s
